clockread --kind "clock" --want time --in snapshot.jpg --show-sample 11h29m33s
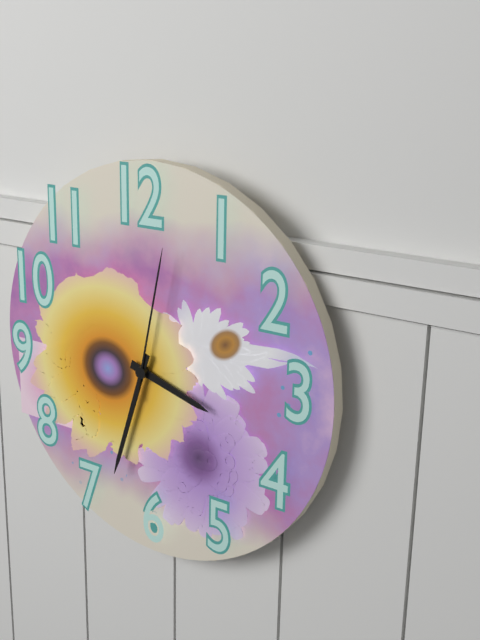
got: 3h33m02s
